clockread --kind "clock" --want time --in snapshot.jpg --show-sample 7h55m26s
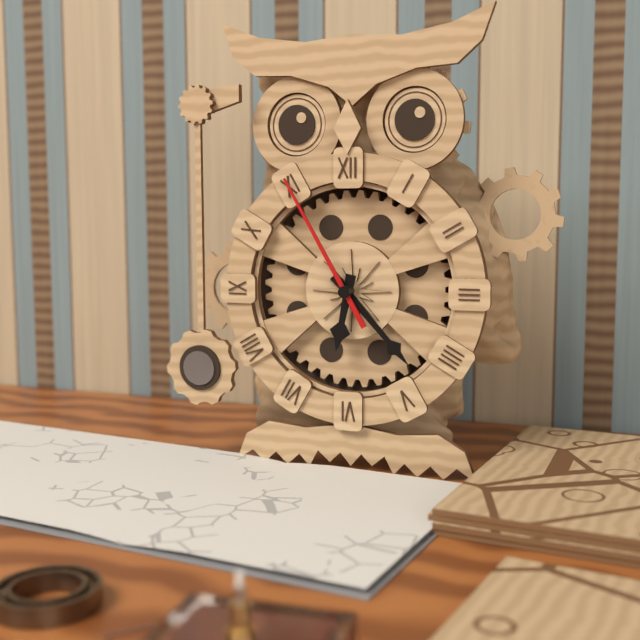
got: 6h23m55s
